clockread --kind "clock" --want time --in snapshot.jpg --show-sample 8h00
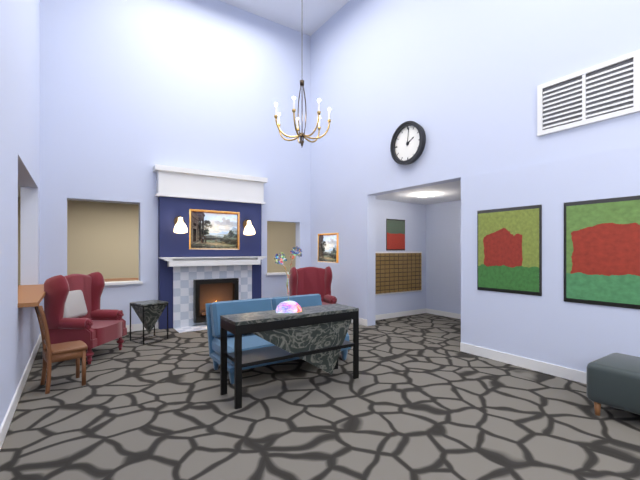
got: 2h01
